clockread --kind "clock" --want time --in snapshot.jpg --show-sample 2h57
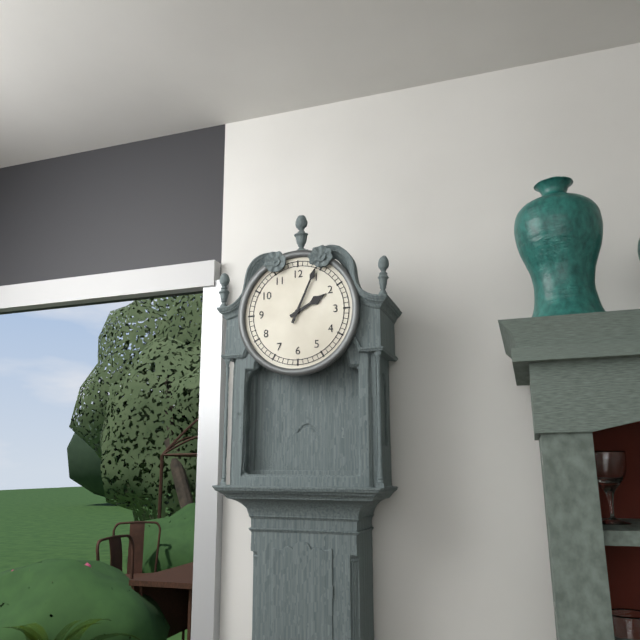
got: 2h04
